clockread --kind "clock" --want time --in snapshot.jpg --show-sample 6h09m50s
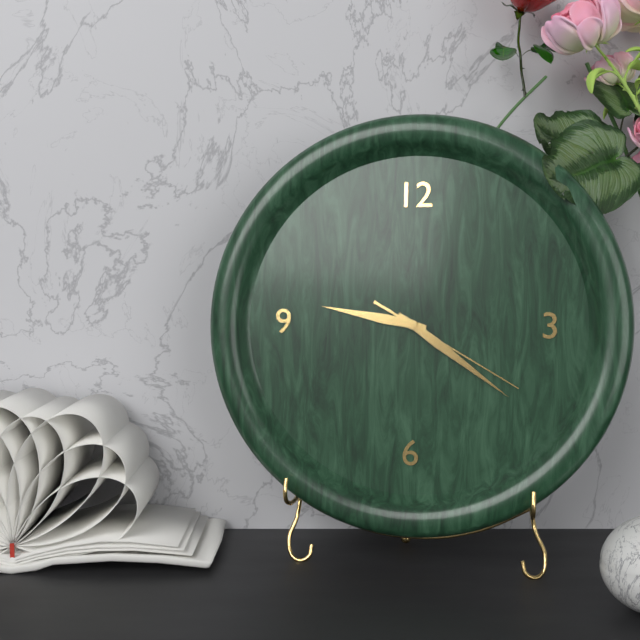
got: 9h21m20s
